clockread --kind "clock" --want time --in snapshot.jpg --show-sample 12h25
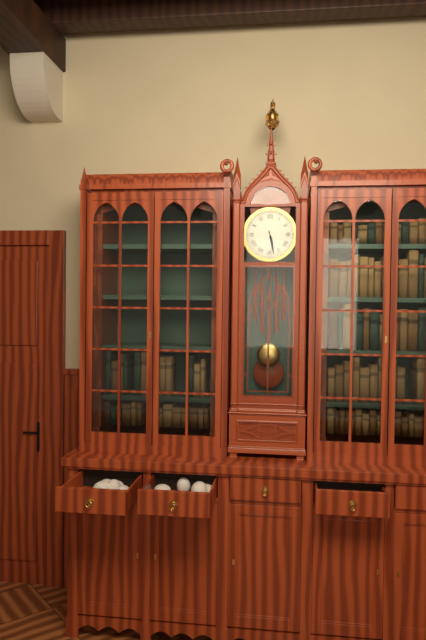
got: 5h28
